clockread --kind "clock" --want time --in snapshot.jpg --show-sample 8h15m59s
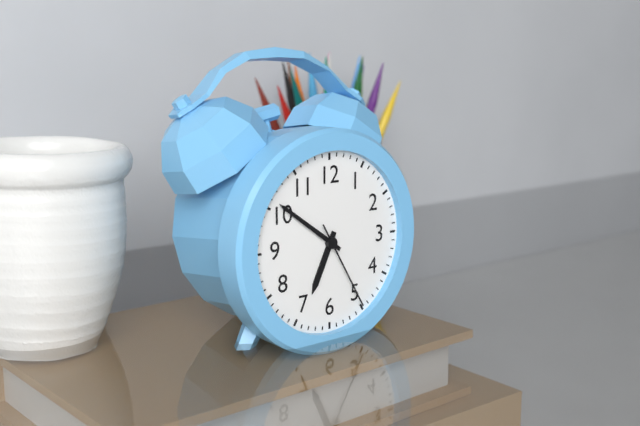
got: 6h51m25s
